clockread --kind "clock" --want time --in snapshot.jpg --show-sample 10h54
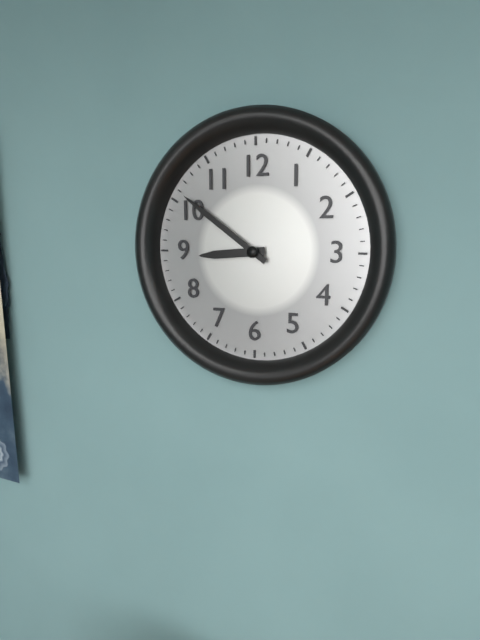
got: 8h51
